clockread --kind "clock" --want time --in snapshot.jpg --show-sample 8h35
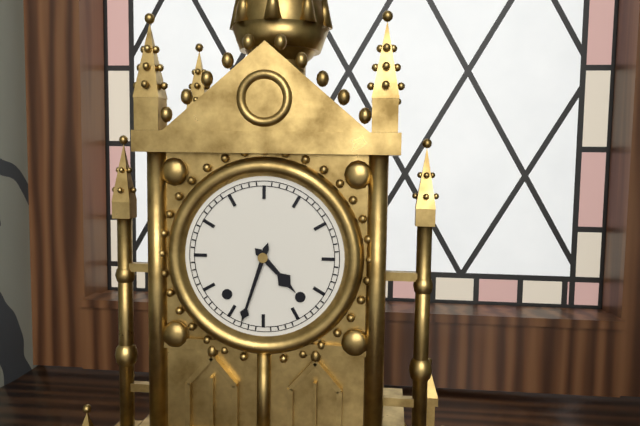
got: 4h33
